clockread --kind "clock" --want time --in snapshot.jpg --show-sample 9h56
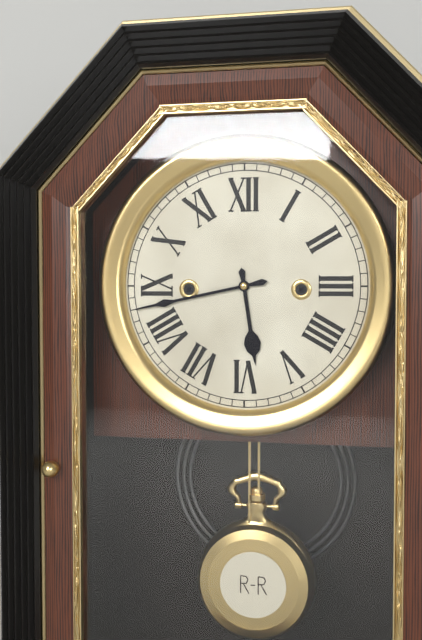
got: 5h43
